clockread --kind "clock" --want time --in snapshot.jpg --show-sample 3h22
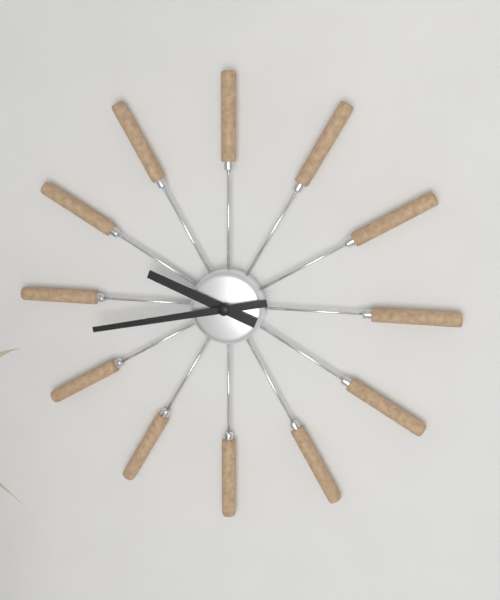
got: 9h43
